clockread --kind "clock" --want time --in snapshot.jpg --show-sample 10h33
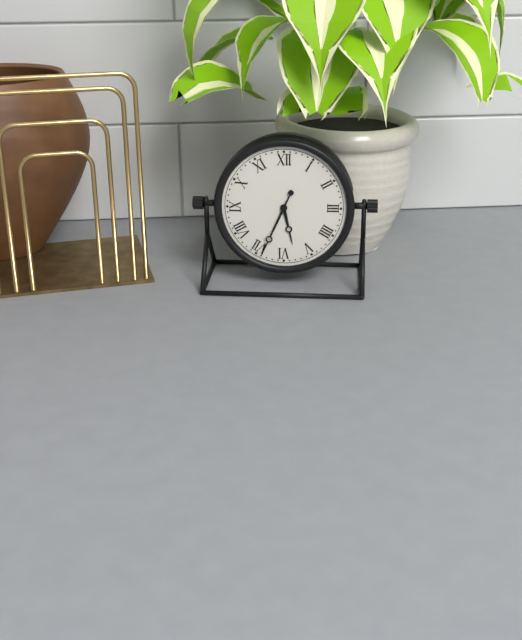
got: 5h34
